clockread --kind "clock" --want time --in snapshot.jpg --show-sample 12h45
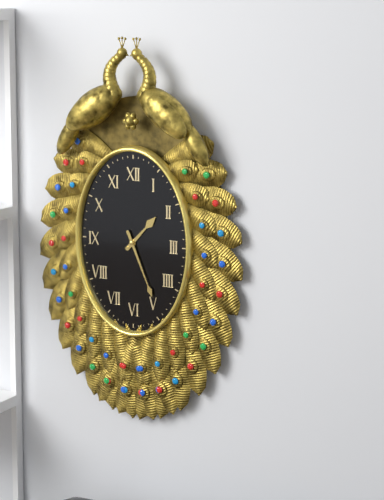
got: 1h26
